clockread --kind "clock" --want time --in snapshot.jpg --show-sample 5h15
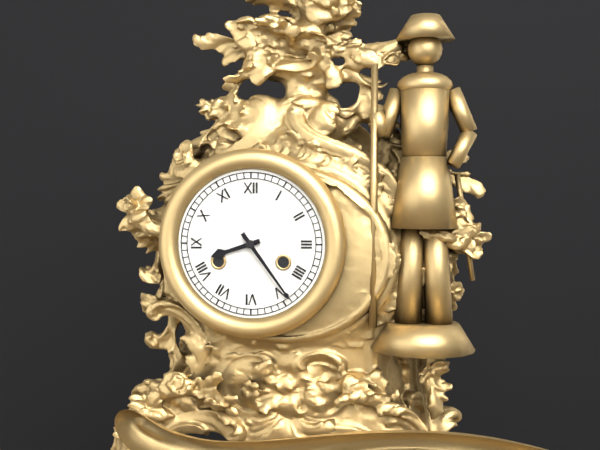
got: 8h24
